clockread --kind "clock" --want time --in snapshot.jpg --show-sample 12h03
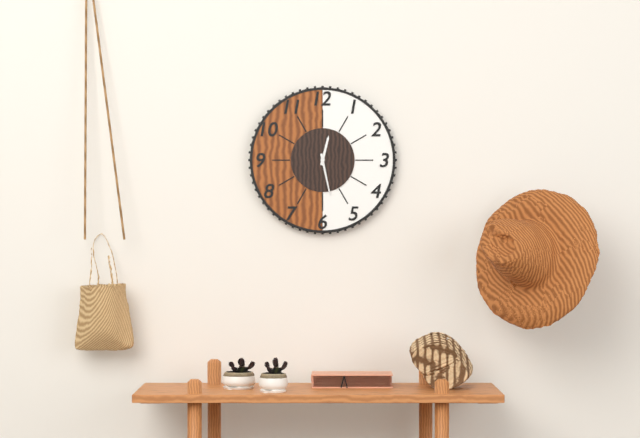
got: 12h28
